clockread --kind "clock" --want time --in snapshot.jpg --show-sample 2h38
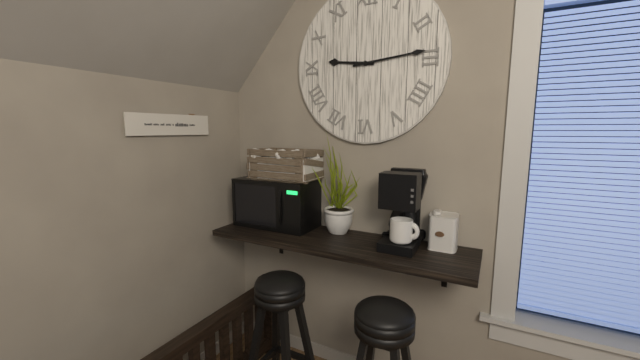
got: 9h14
